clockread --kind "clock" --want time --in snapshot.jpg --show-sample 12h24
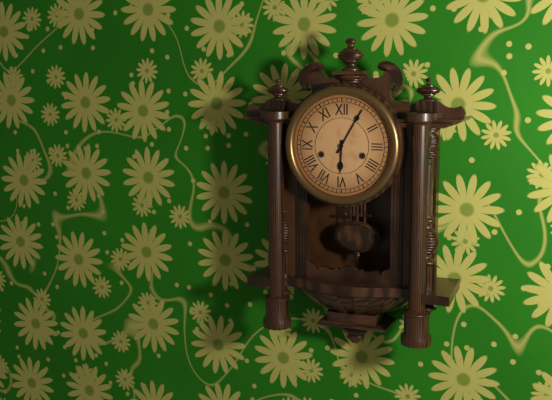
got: 6h05
